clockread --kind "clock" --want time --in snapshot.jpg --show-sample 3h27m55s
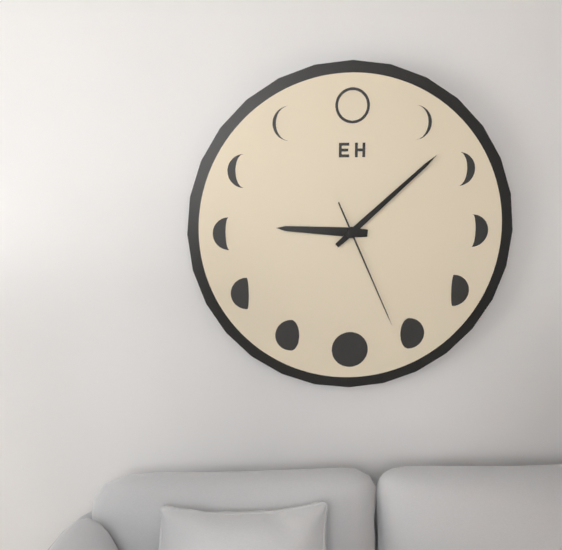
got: 9h08m26s
